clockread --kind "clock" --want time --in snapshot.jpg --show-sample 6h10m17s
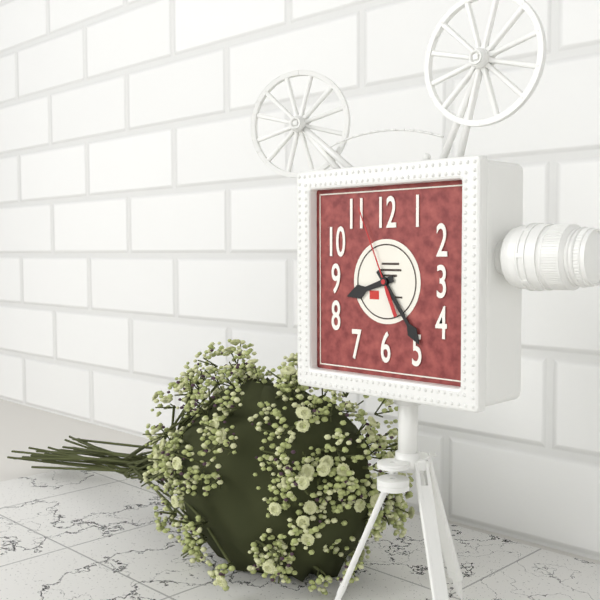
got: 8h24m56s
